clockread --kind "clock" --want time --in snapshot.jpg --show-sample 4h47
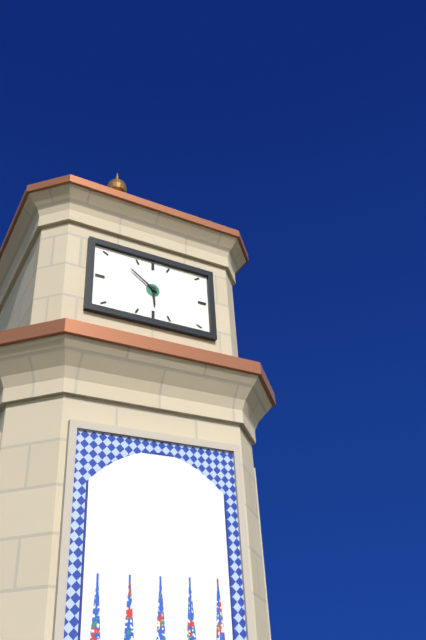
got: 5h51
